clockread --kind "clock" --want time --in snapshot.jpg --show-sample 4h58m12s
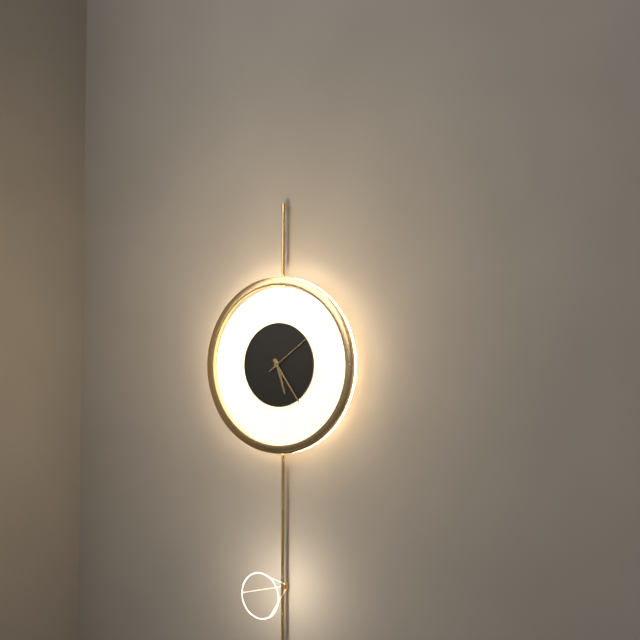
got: 5h24m09s
